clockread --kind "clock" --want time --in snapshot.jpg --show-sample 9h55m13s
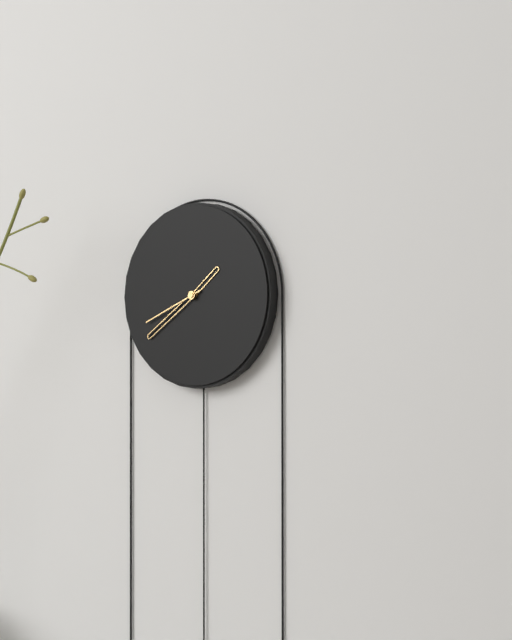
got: 1h39m41s
